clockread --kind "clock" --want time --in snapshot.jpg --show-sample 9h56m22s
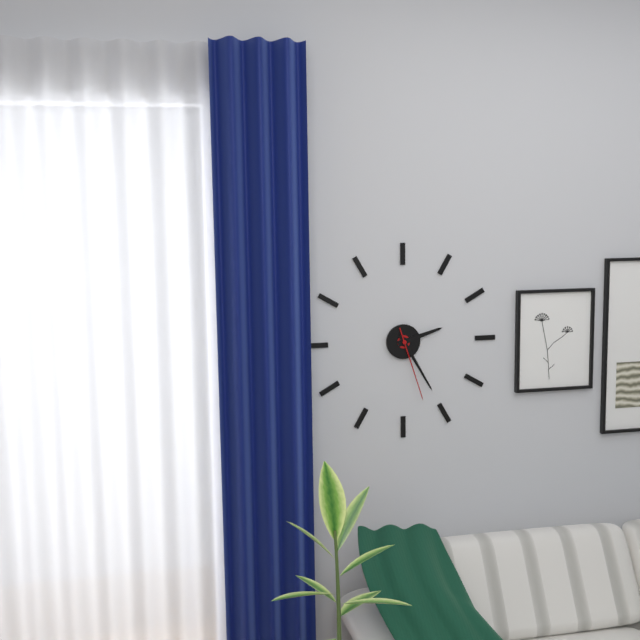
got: 2h25m27s
